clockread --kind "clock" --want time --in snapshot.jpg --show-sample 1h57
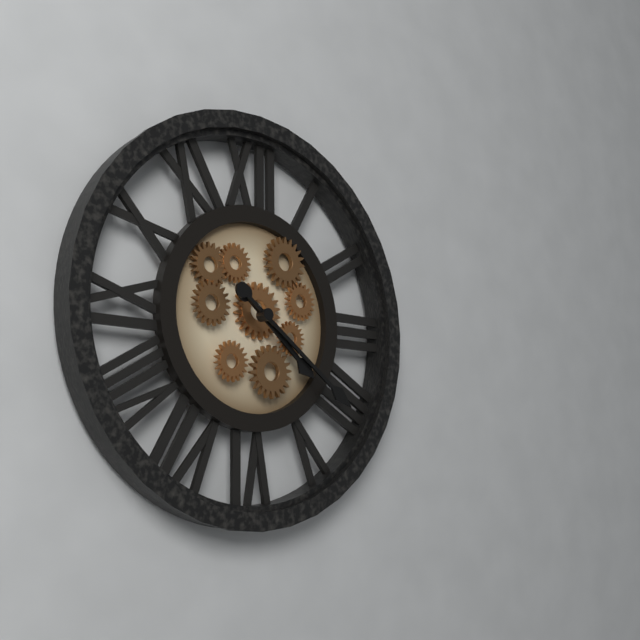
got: 4h21
